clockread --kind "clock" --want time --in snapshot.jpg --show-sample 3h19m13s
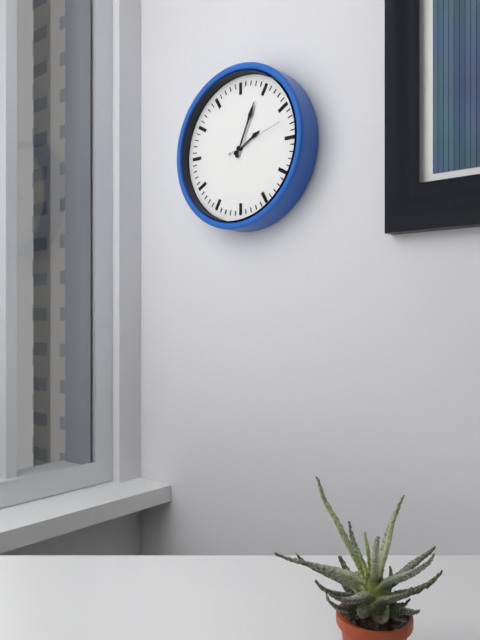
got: 2h04m12s
